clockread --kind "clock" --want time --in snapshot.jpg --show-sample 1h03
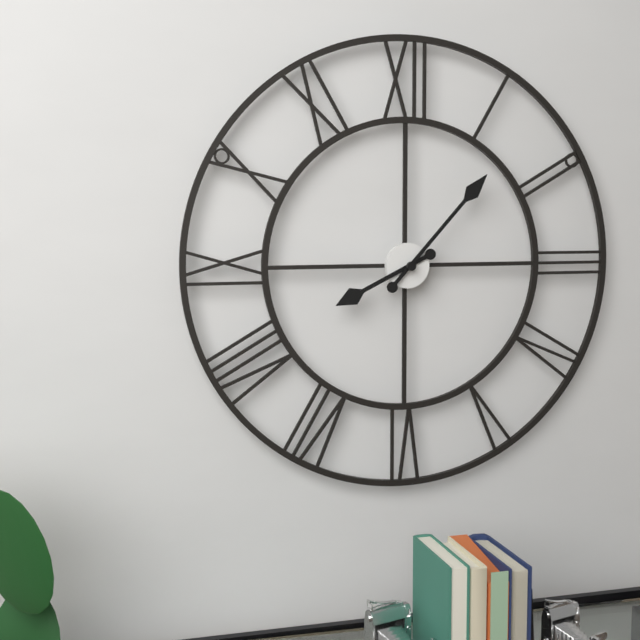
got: 8h07
